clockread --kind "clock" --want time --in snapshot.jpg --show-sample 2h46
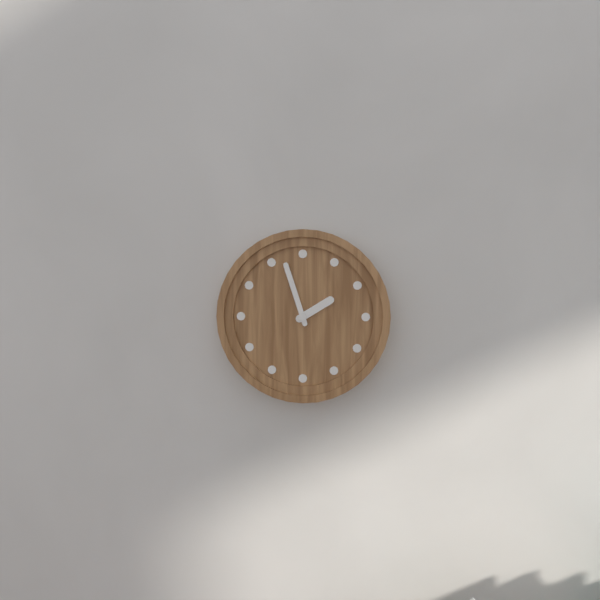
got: 1h57
